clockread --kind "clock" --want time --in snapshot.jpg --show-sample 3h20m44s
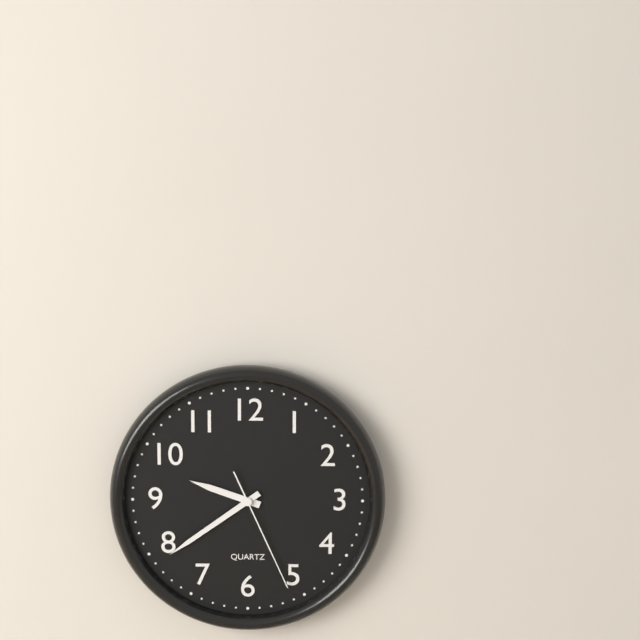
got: 9h39m26s
